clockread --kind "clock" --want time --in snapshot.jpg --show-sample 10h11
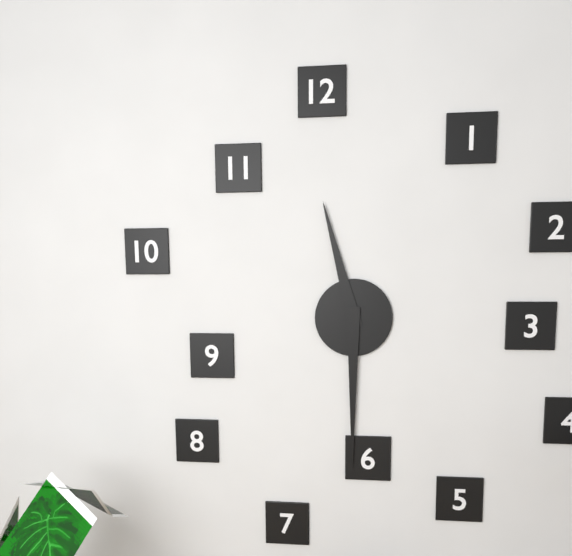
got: 11h30
